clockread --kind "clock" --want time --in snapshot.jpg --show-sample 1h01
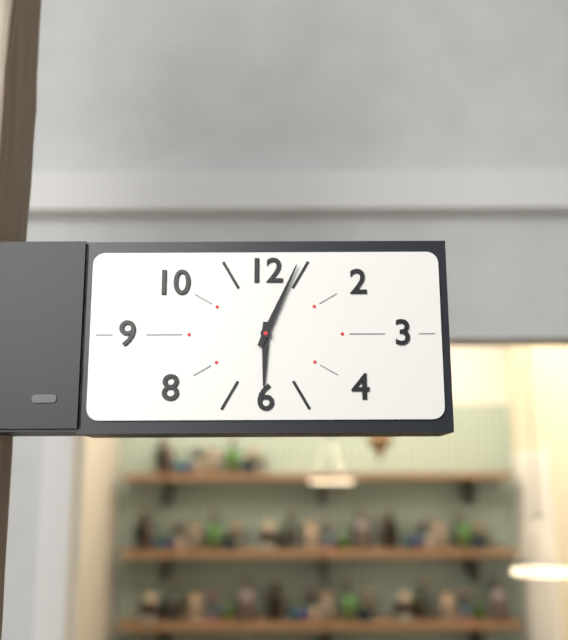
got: 6h04
